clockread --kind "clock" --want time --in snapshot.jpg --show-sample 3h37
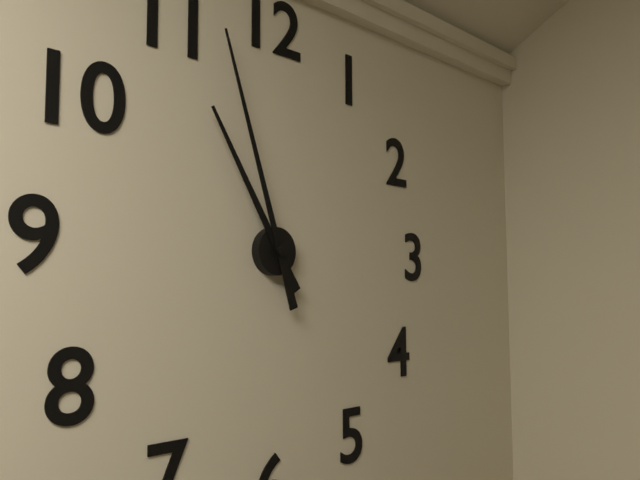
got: 10h57
